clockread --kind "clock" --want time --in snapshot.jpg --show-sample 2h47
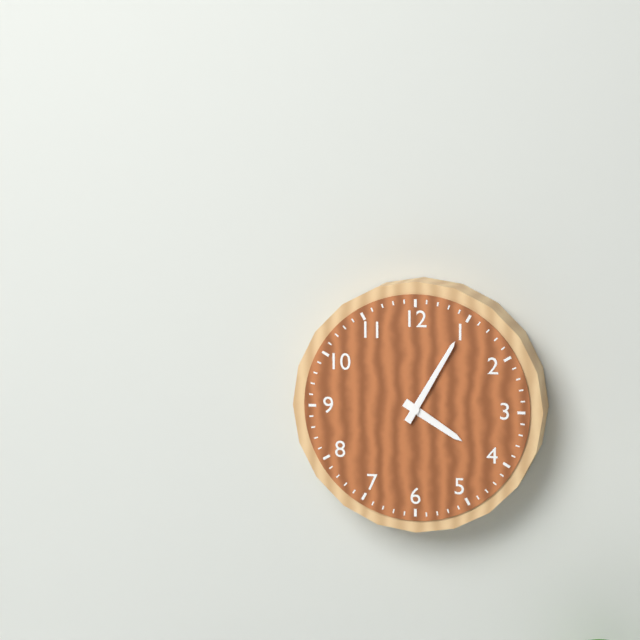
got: 4h05
